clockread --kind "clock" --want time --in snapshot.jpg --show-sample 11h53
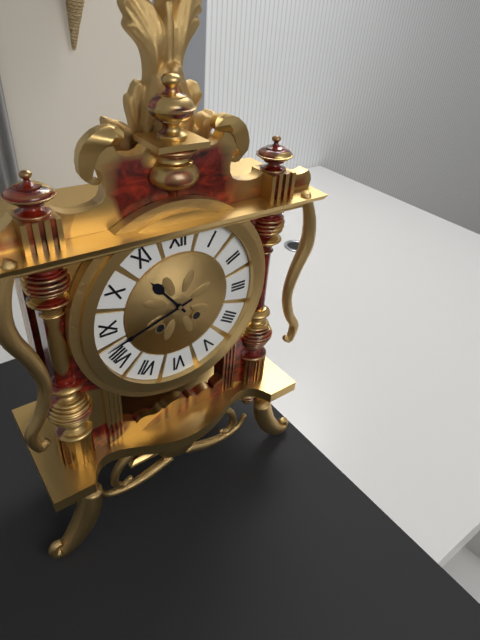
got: 10h42
